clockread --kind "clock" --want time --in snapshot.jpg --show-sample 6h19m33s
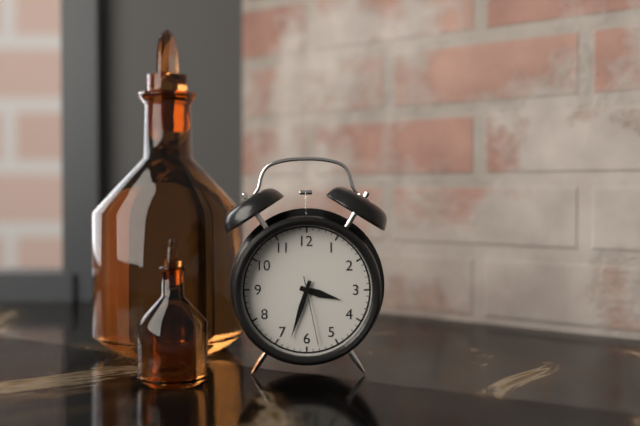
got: 3h33m28s
